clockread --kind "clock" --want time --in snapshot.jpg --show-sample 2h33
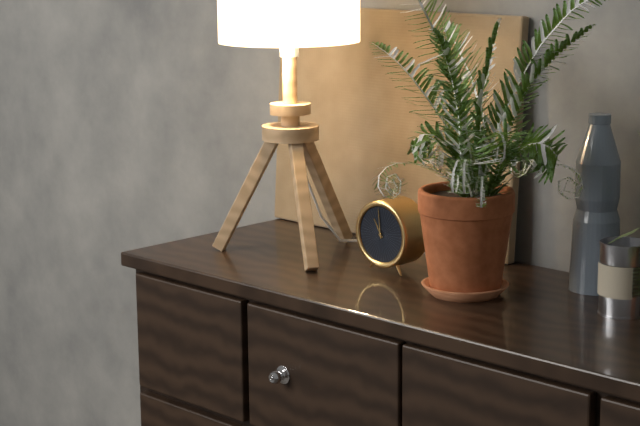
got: 10h59
